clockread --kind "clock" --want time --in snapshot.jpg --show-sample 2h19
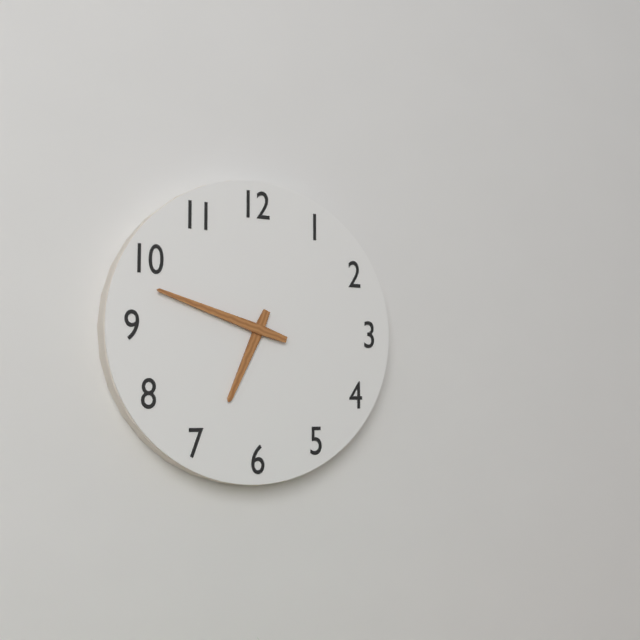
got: 6h48
